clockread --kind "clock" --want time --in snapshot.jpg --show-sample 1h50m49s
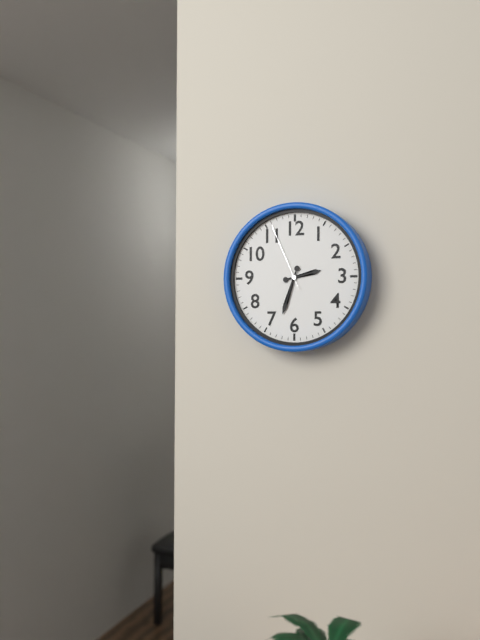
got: 2h33m56s
